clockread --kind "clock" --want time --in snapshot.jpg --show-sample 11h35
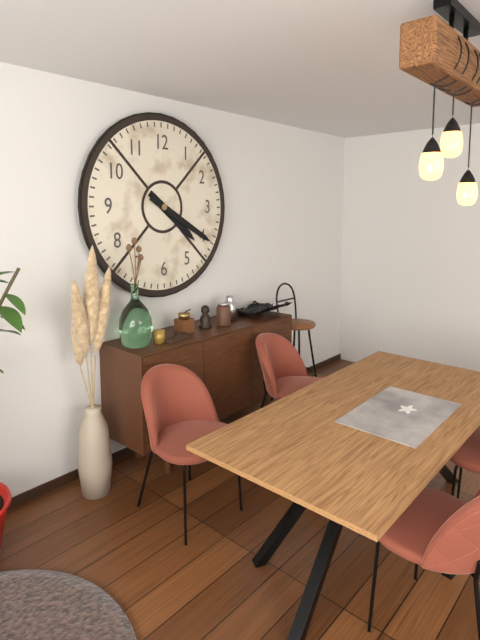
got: 4h20
